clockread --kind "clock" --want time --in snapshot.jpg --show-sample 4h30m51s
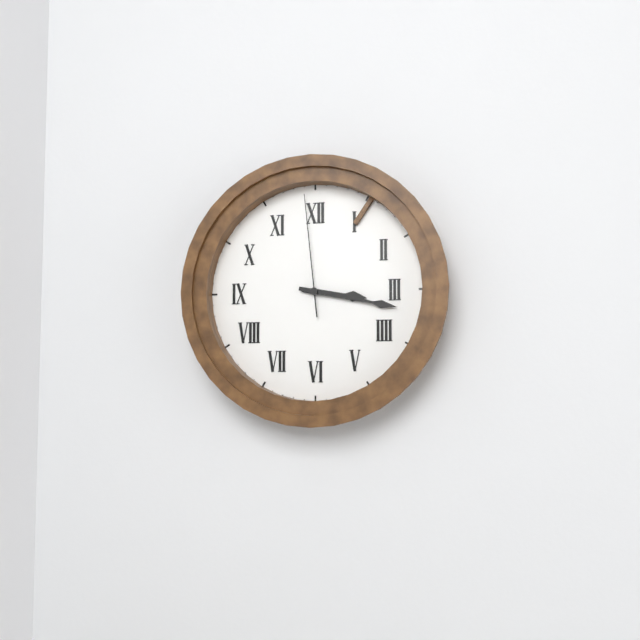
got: 3h17m59s
